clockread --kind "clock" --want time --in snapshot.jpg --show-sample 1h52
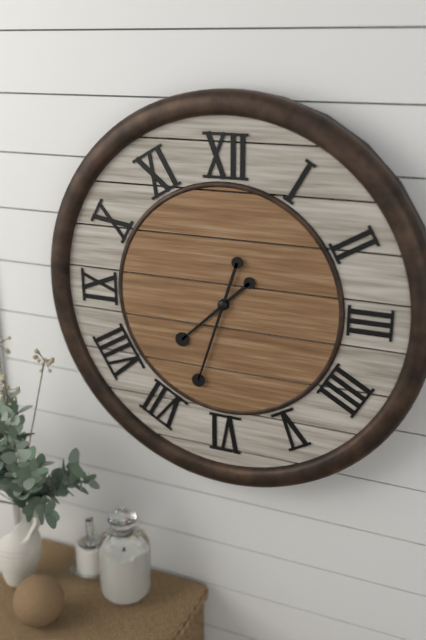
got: 7h33
